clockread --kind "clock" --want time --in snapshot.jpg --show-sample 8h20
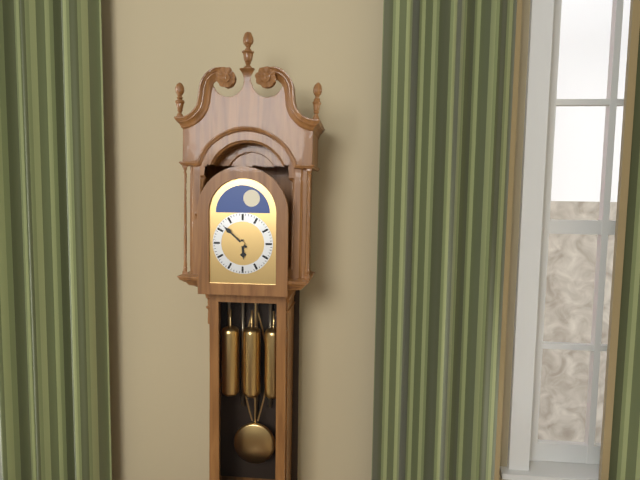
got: 5h52
